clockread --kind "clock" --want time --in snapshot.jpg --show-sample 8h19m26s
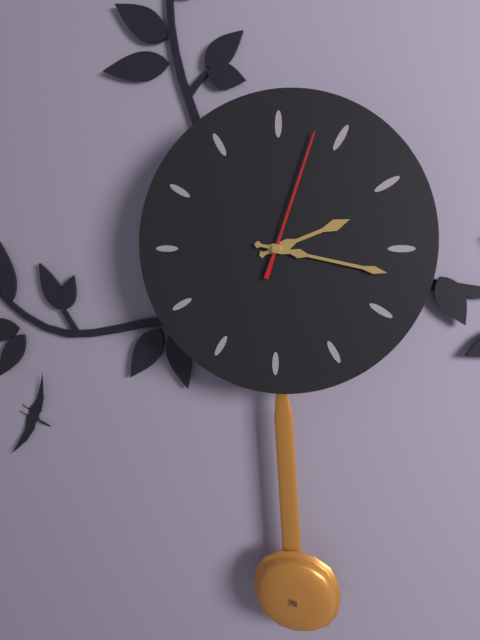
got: 2h17m03s
